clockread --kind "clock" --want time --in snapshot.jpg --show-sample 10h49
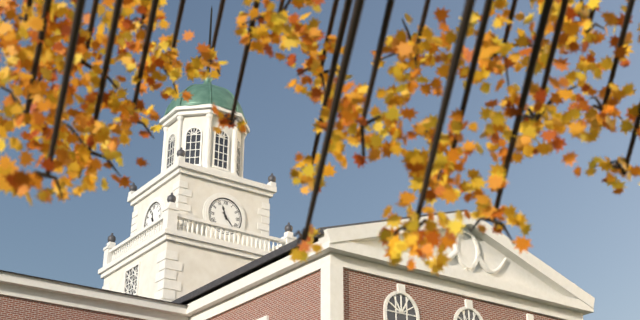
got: 11h23
